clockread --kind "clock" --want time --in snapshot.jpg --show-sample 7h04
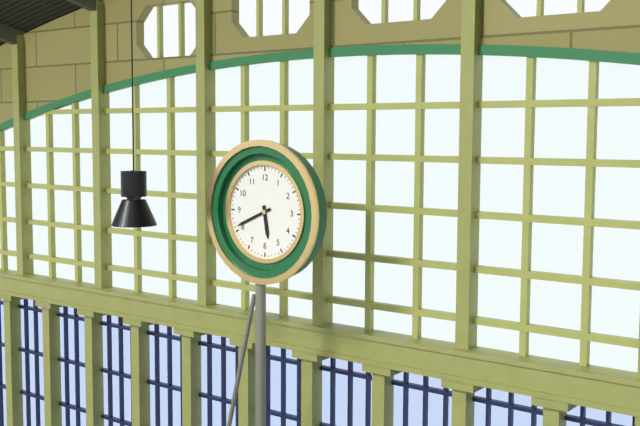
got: 5h41
